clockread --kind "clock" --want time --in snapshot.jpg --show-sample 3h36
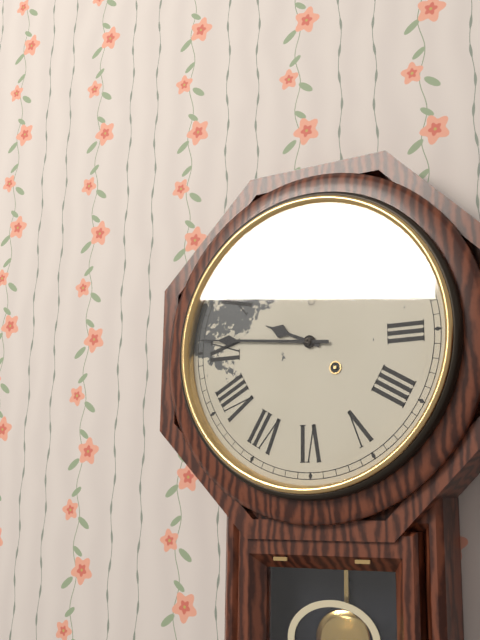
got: 9h46
